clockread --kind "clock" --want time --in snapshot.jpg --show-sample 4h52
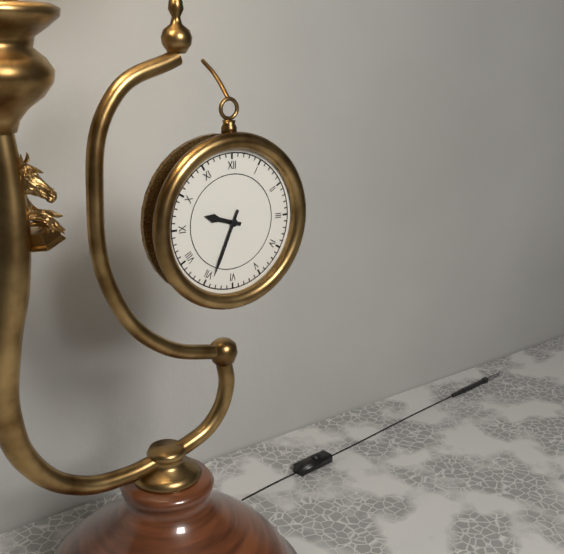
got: 9h34
